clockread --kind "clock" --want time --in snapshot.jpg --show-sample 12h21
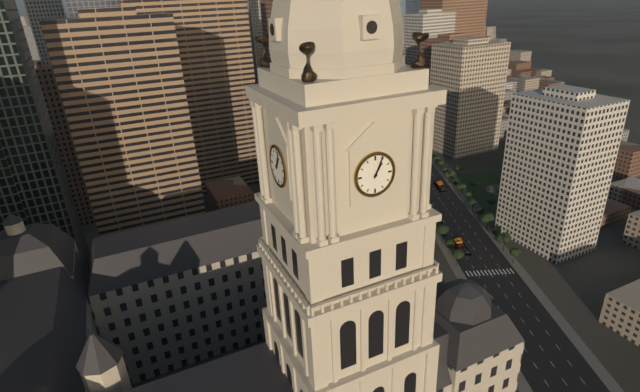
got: 1h04
